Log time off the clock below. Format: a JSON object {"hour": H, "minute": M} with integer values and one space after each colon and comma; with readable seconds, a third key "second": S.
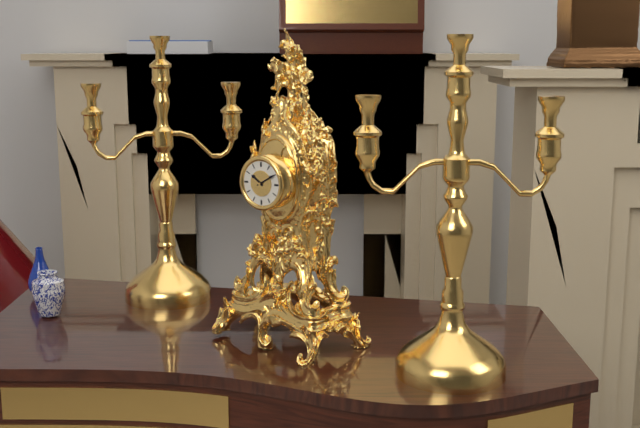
{"hour": 10, "minute": 10}
